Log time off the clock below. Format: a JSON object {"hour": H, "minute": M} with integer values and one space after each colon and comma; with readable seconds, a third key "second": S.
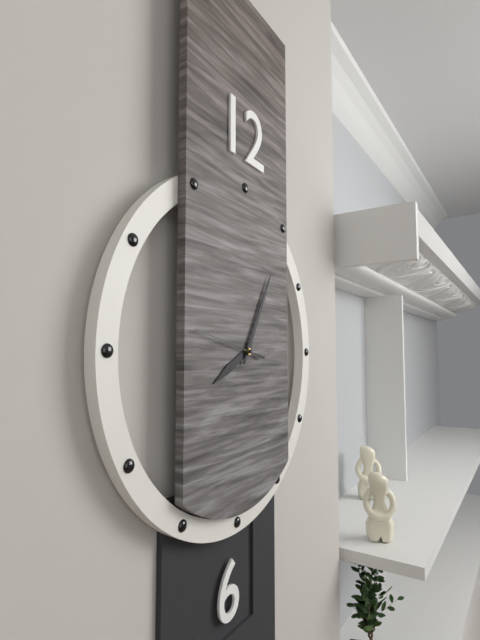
{"hour": 8, "minute": 5, "second": 47}
